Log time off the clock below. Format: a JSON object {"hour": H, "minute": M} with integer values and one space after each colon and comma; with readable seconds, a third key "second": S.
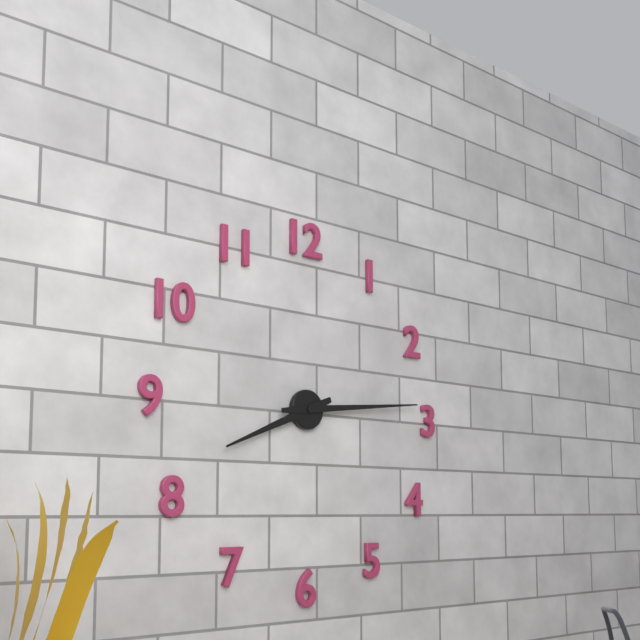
{"hour": 8, "minute": 14}
